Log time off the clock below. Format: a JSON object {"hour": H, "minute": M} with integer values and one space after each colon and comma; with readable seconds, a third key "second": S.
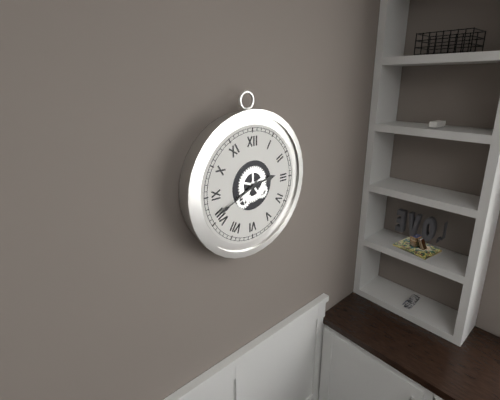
{"hour": 2, "minute": 41}
